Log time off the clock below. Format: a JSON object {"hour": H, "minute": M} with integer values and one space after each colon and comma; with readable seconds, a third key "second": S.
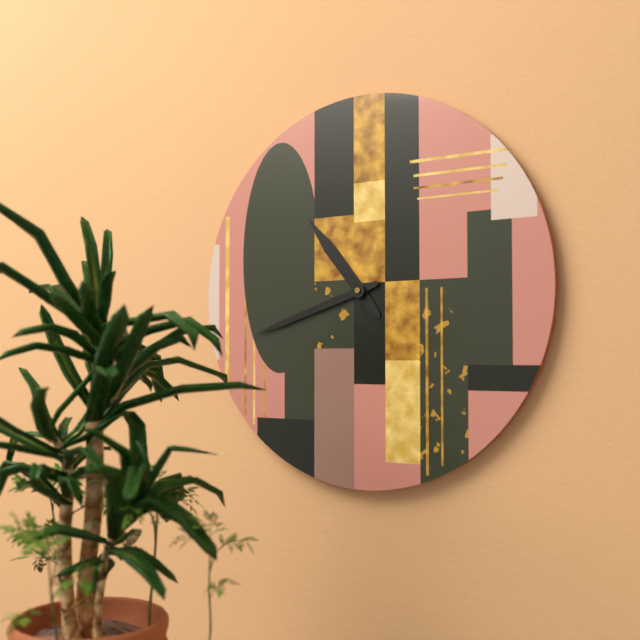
{"hour": 10, "minute": 42}
